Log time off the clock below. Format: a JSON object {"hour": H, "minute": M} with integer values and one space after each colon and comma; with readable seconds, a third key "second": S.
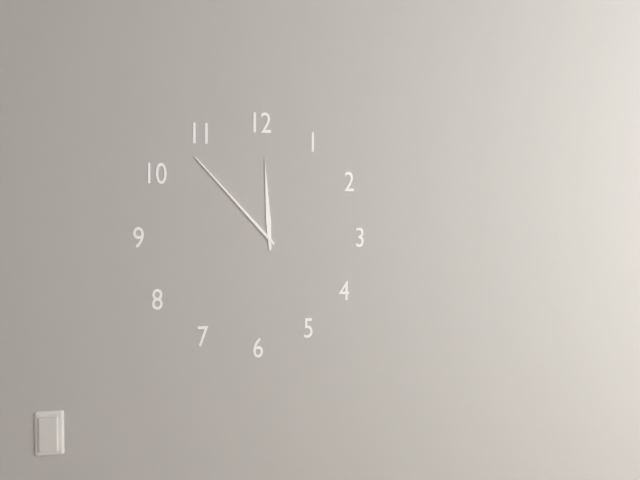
{"hour": 11, "minute": 53}
